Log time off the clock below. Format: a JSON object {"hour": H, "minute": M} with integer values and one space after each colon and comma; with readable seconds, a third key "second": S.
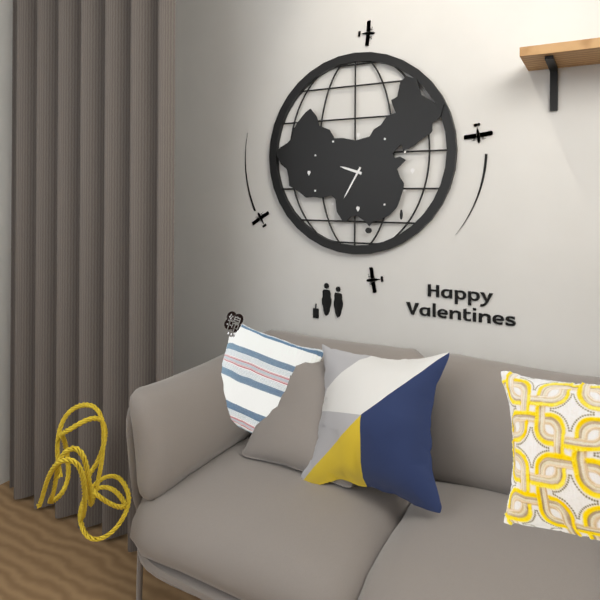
{"hour": 9, "minute": 35}
